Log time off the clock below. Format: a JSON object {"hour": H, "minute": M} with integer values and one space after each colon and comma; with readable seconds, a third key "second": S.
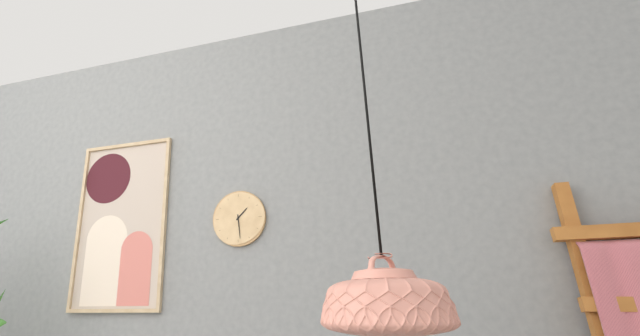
{"hour": 1, "minute": 29}
